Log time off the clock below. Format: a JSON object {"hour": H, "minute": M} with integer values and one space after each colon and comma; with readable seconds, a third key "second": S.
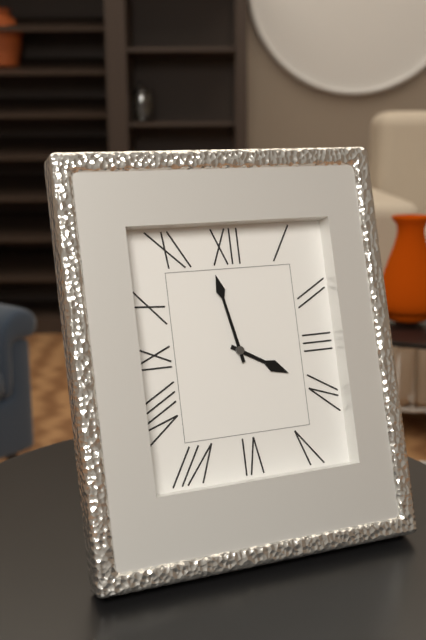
{"hour": 3, "minute": 58}
